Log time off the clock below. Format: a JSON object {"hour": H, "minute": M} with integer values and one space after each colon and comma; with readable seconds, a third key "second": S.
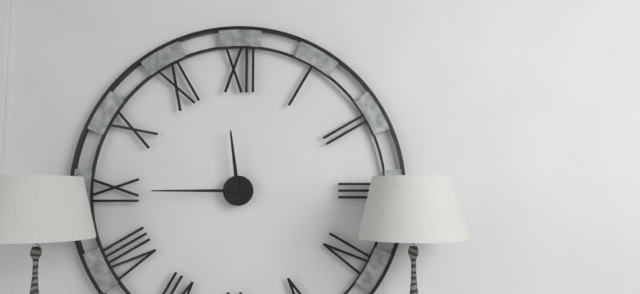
{"hour": 11, "minute": 45}
